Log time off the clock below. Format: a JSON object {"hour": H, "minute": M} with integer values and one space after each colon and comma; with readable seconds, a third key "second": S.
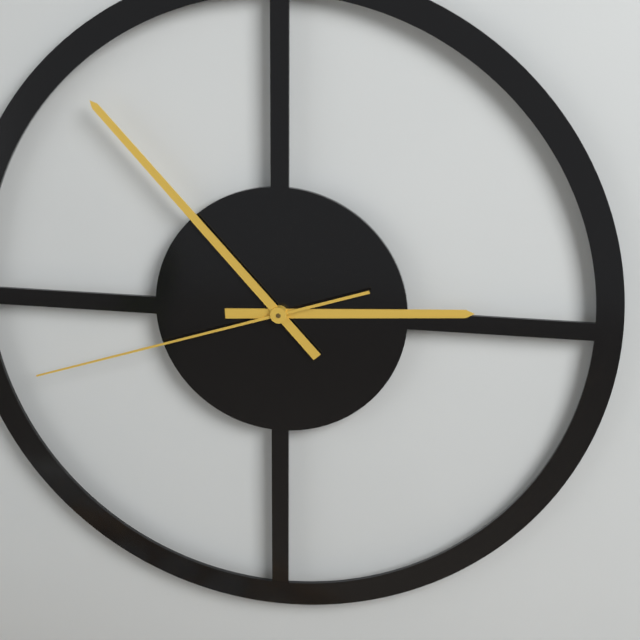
{"hour": 2, "minute": 53, "second": 42}
